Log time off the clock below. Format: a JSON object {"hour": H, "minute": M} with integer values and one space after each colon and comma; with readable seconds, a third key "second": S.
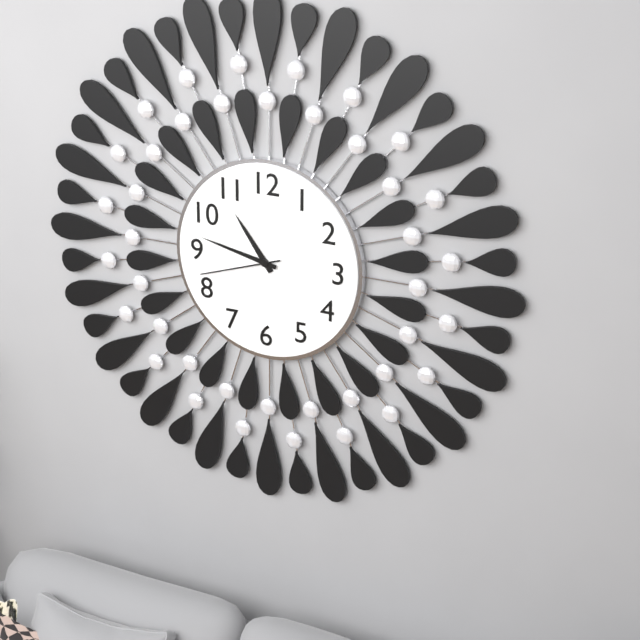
{"hour": 10, "minute": 47, "second": 42}
